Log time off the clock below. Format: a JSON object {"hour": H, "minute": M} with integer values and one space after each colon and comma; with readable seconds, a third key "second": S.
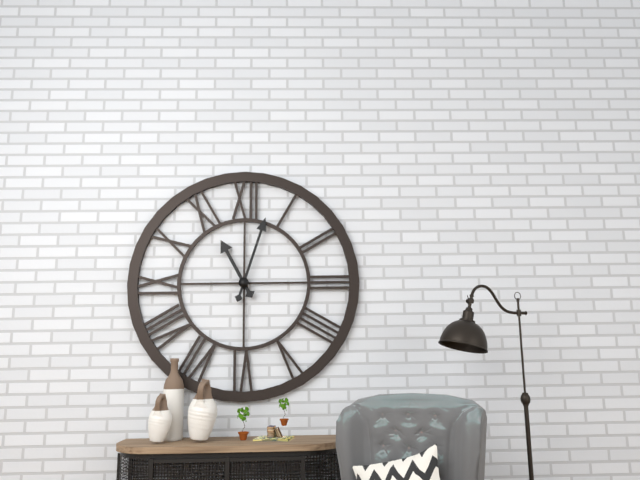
{"hour": 11, "minute": 3}
